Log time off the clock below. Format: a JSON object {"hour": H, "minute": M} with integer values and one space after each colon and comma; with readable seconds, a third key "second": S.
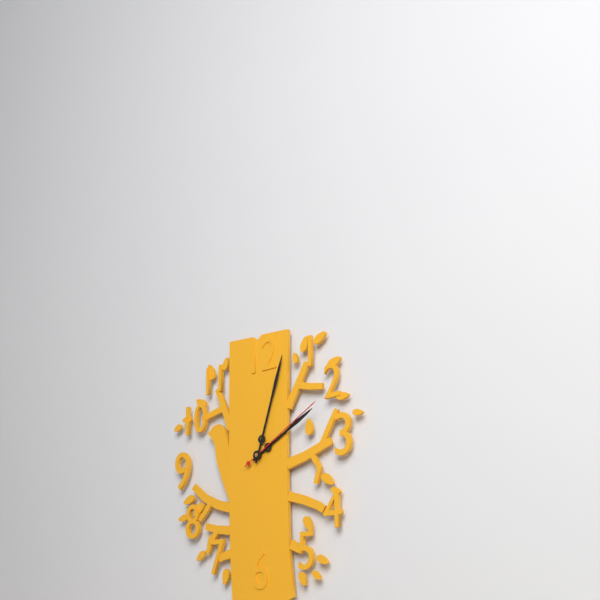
{"hour": 2, "minute": 3, "second": 10}
